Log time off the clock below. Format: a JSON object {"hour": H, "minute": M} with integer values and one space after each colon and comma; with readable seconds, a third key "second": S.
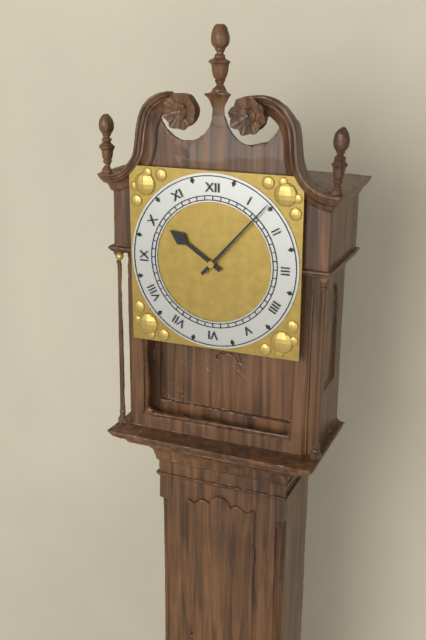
{"hour": 10, "minute": 7}
